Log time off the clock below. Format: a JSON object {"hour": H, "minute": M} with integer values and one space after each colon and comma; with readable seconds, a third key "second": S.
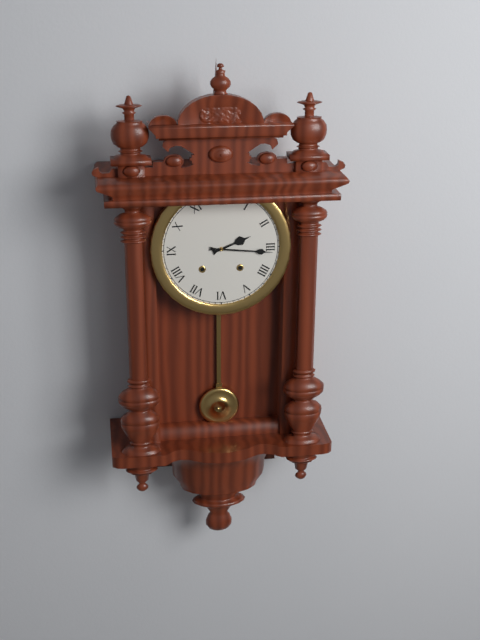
{"hour": 2, "minute": 16}
